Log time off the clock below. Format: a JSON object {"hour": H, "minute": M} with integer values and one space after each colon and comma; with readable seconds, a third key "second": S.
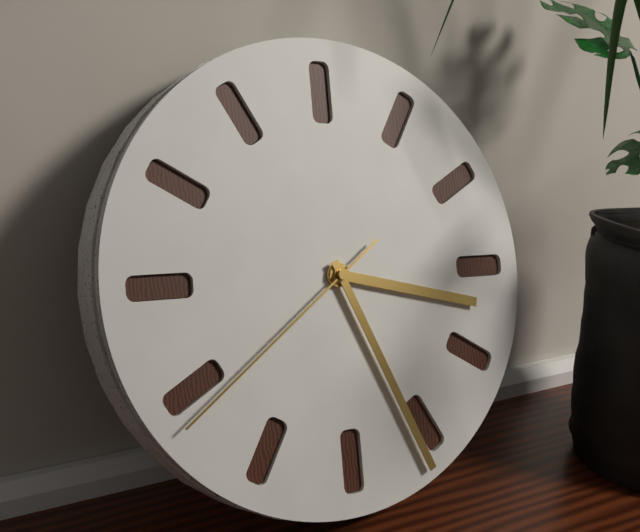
{"hour": 3, "minute": 26, "second": 39}
